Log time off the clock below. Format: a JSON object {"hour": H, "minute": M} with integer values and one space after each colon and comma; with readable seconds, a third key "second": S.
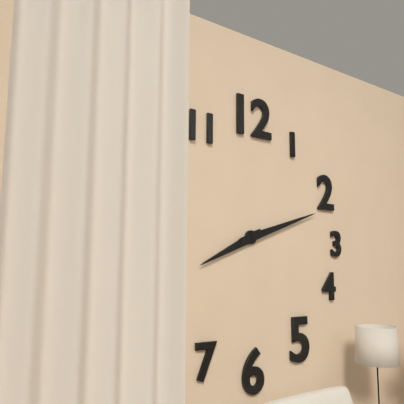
{"hour": 8, "minute": 12}
